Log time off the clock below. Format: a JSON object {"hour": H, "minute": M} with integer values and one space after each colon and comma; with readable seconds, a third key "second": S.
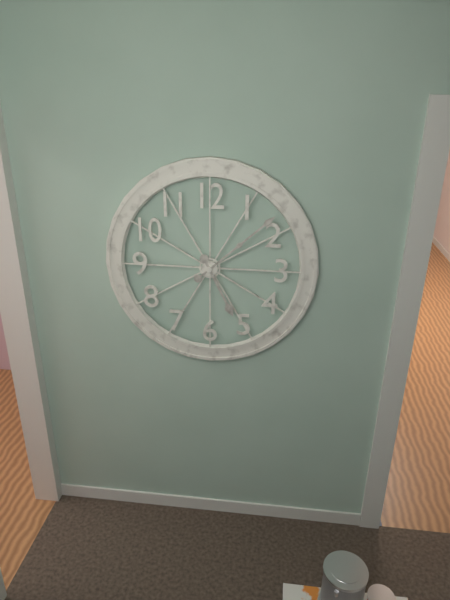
{"hour": 5, "minute": 8}
